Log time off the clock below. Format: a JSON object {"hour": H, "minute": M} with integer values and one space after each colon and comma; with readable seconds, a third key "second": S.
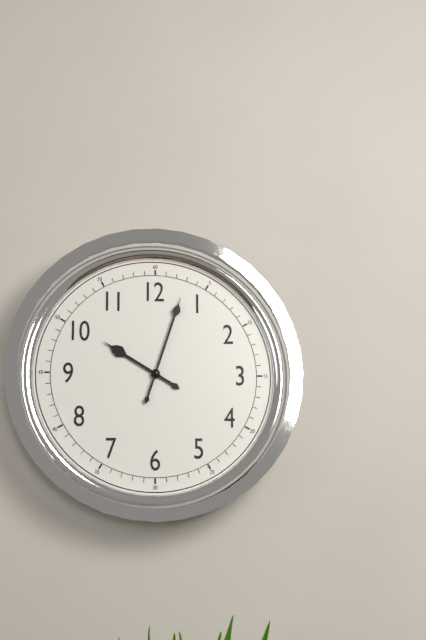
{"hour": 10, "minute": 3}
